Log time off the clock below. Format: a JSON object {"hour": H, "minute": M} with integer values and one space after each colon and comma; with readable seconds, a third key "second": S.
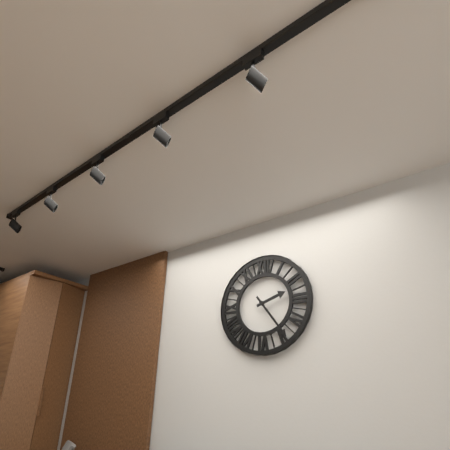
{"hour": 2, "minute": 24}
